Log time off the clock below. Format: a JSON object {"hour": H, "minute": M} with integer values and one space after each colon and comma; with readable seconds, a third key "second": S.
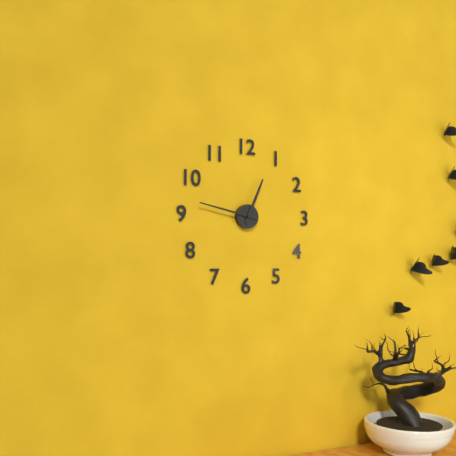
{"hour": 12, "minute": 47}
